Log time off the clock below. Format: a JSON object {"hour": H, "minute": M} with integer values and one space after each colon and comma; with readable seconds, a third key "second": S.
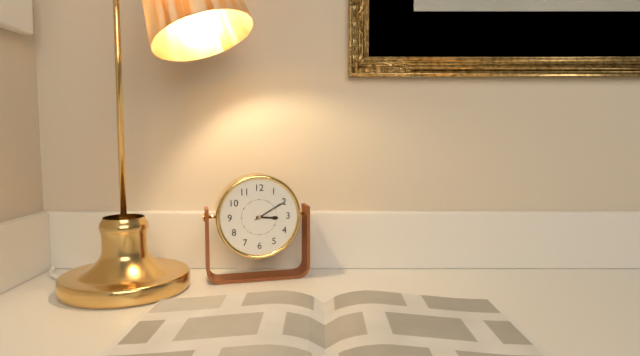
{"hour": 3, "minute": 10}
